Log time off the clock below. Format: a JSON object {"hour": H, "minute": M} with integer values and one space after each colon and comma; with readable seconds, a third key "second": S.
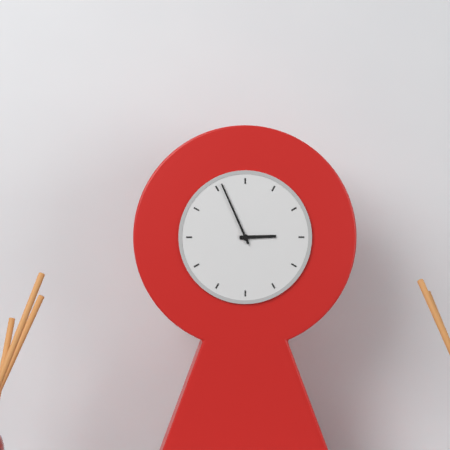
{"hour": 2, "minute": 56}
